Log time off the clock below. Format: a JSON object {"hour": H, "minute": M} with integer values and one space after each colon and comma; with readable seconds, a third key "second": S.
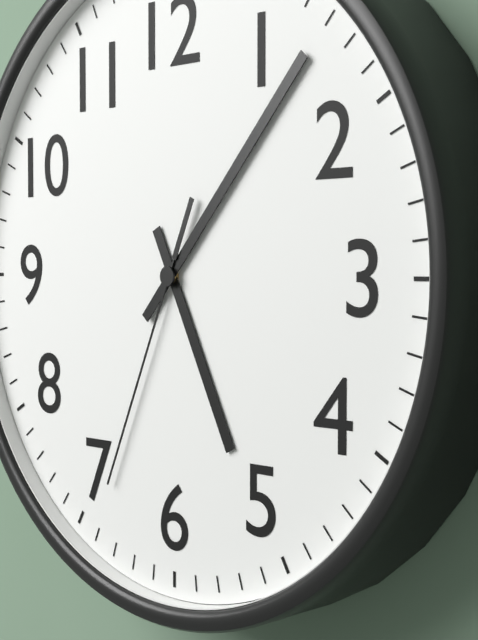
{"hour": 5, "minute": 7, "second": 34}
